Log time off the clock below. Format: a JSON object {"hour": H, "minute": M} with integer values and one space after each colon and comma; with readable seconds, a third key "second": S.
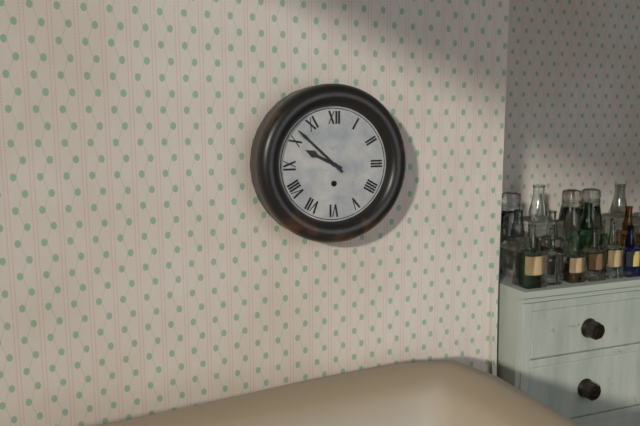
{"hour": 9, "minute": 52}
